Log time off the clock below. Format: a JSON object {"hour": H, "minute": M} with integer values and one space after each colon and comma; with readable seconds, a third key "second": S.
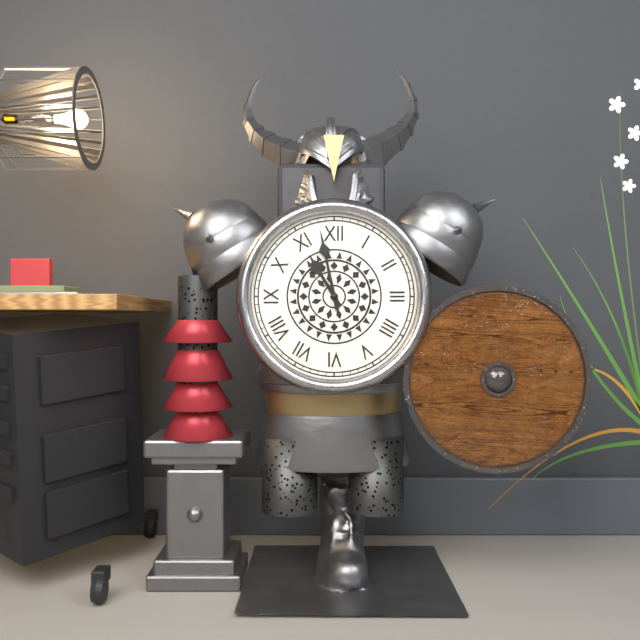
{"hour": 10, "minute": 58}
